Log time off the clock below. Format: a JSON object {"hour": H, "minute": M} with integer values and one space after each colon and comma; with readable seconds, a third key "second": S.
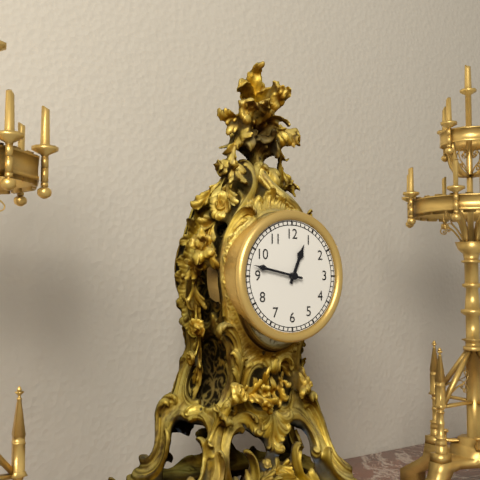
{"hour": 12, "minute": 47}
